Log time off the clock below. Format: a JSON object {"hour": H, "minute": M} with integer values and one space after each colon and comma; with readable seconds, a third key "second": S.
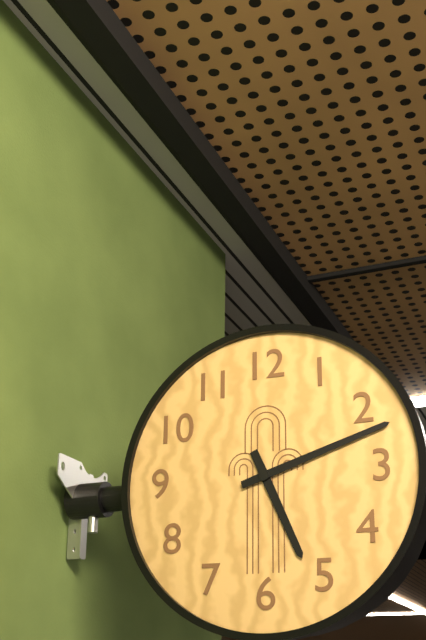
{"hour": 5, "minute": 12}
